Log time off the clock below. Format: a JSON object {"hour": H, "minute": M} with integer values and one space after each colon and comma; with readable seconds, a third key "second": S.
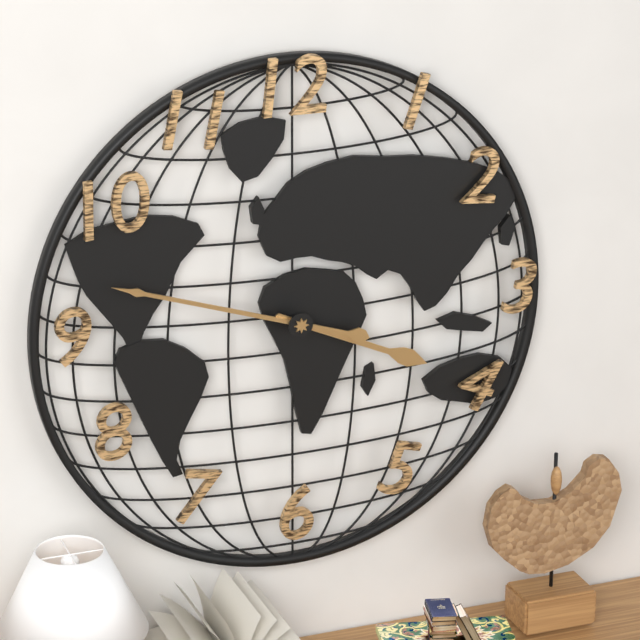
{"hour": 3, "minute": 48}
